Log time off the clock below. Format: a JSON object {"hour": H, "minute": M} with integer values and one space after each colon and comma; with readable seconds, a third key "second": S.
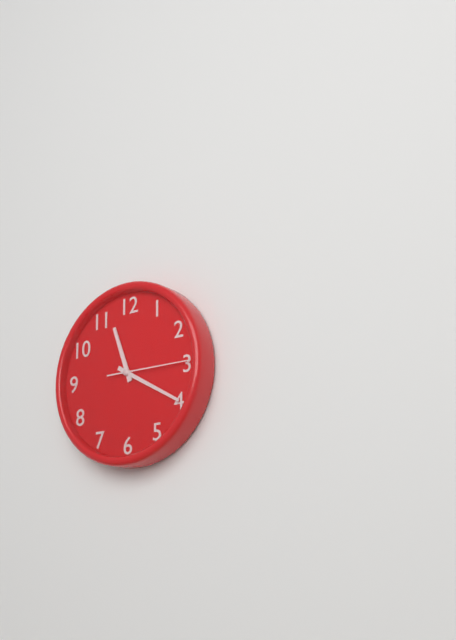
{"hour": 11, "minute": 20, "second": 15}
